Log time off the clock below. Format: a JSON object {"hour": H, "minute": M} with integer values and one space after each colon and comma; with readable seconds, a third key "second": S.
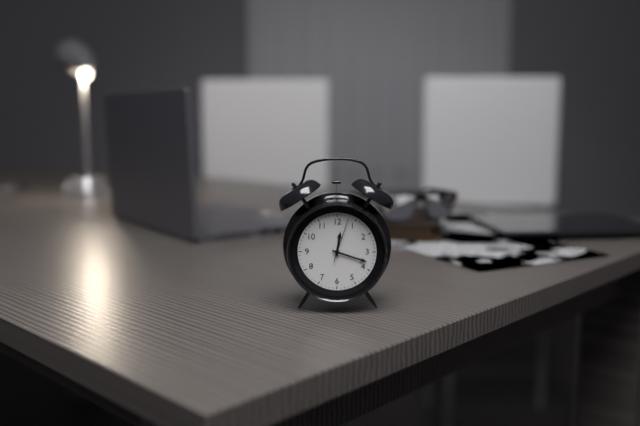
{"hour": 12, "minute": 18}
